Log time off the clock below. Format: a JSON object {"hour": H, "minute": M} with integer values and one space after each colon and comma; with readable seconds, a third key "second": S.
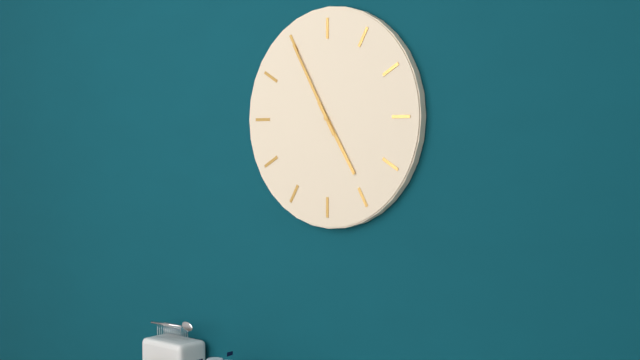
{"hour": 4, "minute": 55}
